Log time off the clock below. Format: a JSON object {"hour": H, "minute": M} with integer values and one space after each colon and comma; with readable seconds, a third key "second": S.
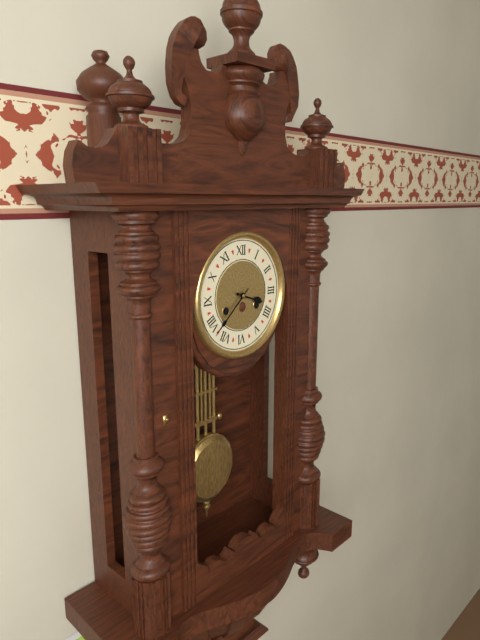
{"hour": 3, "minute": 38}
